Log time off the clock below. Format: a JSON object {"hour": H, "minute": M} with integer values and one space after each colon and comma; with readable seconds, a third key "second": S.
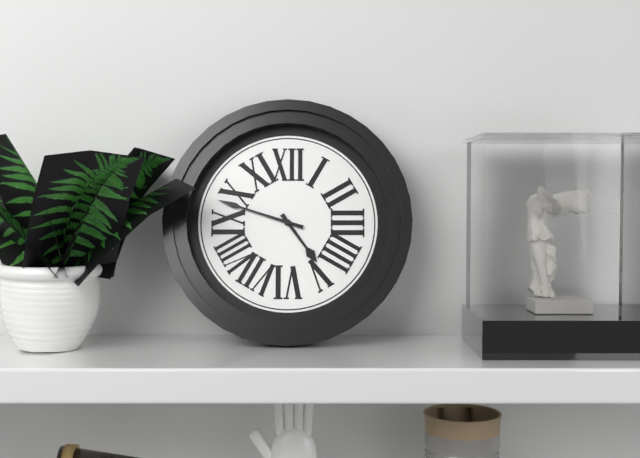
{"hour": 4, "minute": 48}
